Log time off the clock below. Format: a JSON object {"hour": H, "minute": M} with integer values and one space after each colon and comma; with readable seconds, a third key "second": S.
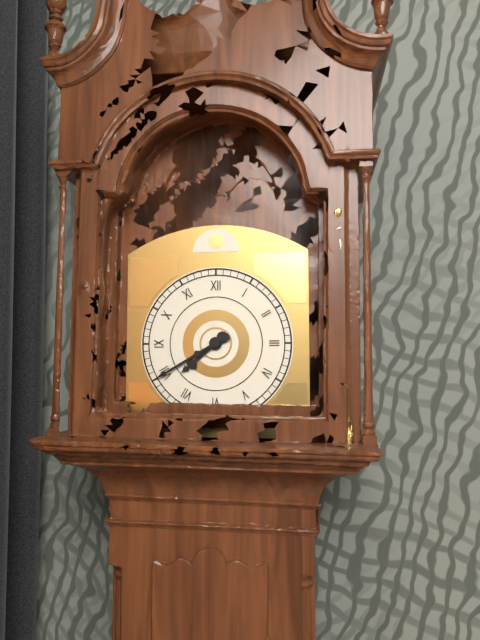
{"hour": 7, "minute": 40}
